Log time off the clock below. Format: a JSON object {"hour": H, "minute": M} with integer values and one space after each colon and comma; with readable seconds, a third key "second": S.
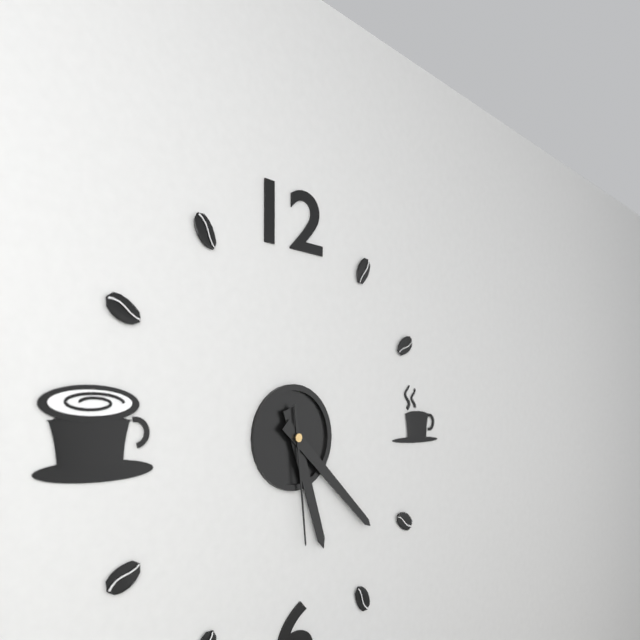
{"hour": 5, "minute": 22, "second": 29}
